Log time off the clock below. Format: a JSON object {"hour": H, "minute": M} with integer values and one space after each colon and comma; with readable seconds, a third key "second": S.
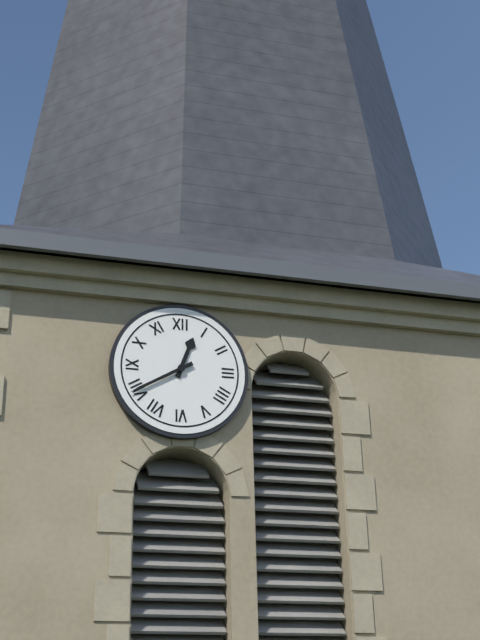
{"hour": 12, "minute": 40}
